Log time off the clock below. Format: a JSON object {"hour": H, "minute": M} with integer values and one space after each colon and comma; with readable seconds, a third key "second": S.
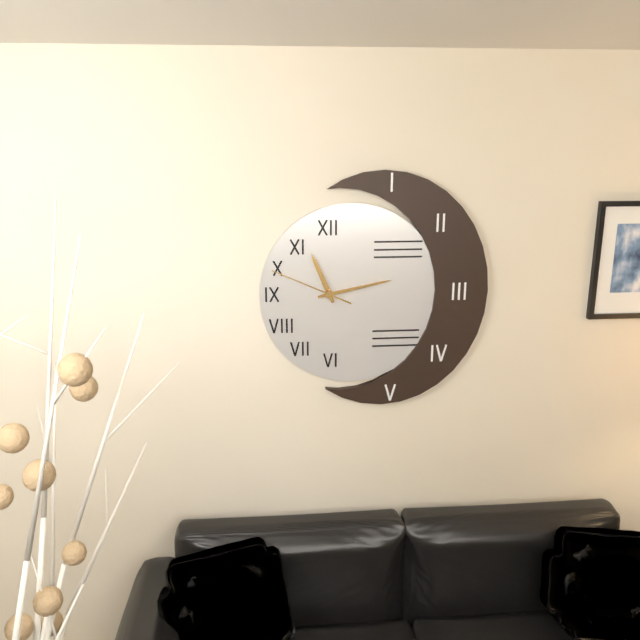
{"hour": 11, "minute": 13, "second": 49}
